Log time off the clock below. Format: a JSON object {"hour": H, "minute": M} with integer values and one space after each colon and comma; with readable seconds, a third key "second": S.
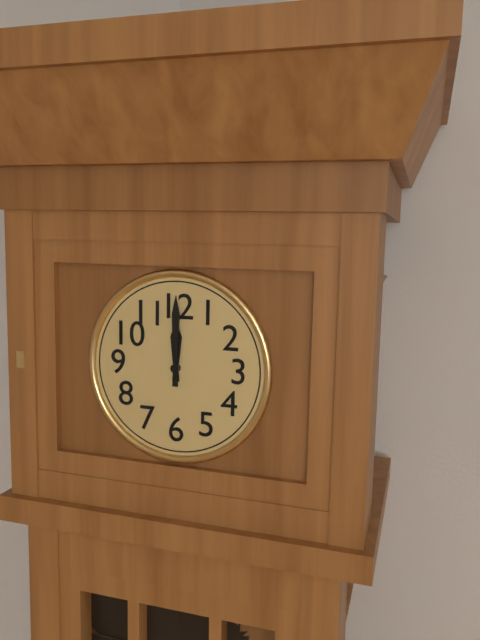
{"hour": 12, "minute": 0}
